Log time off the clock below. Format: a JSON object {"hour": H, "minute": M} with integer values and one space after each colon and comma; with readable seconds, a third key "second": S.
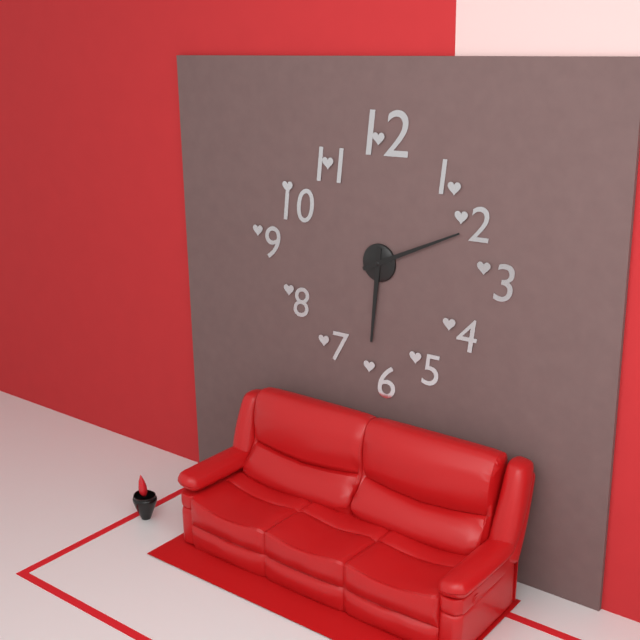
{"hour": 6, "minute": 11}
